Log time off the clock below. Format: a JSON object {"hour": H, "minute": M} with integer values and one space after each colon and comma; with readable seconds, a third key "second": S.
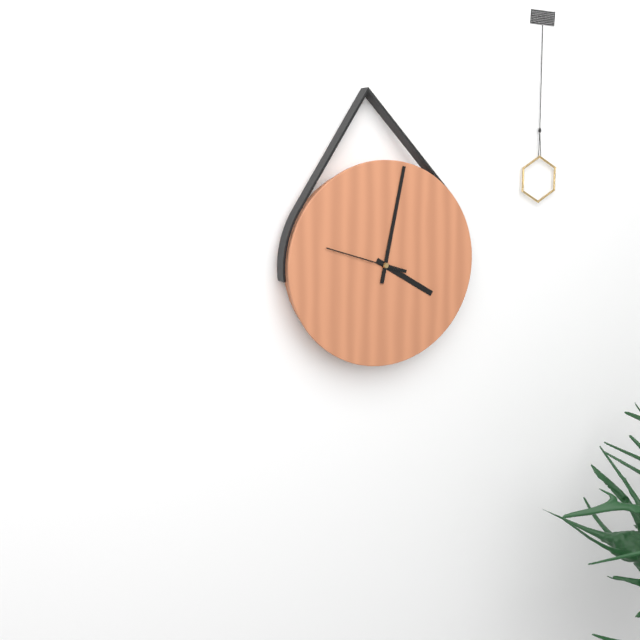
{"hour": 4, "minute": 2, "second": 48}
